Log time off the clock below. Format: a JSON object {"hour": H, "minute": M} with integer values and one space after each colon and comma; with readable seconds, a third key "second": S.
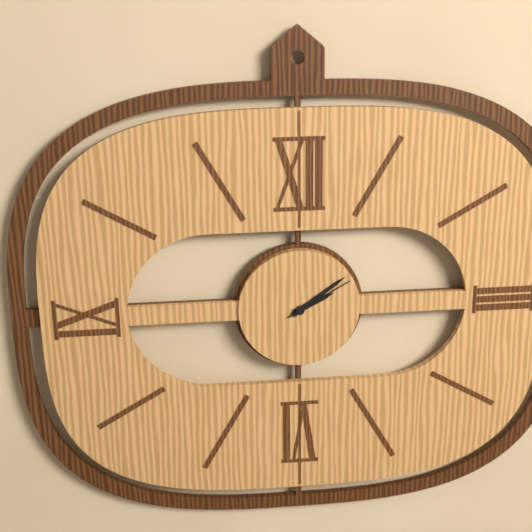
{"hour": 2, "minute": 9, "second": 10}
